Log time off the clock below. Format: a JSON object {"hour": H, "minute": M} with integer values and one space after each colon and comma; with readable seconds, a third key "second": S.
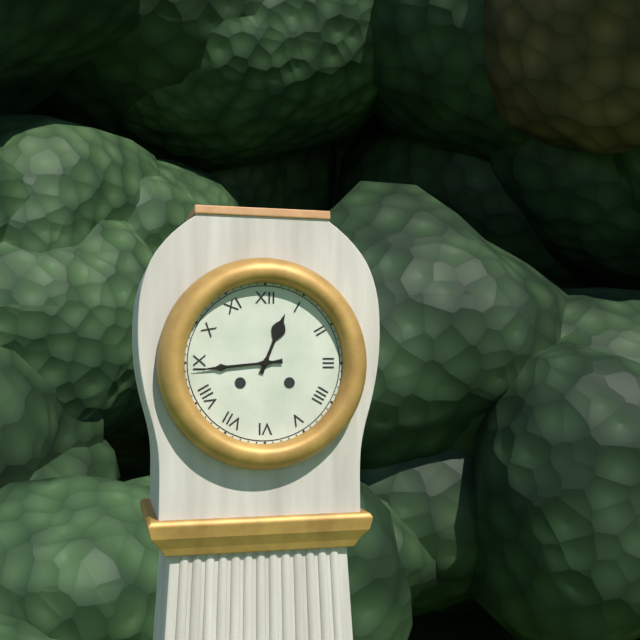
{"hour": 12, "minute": 44}
